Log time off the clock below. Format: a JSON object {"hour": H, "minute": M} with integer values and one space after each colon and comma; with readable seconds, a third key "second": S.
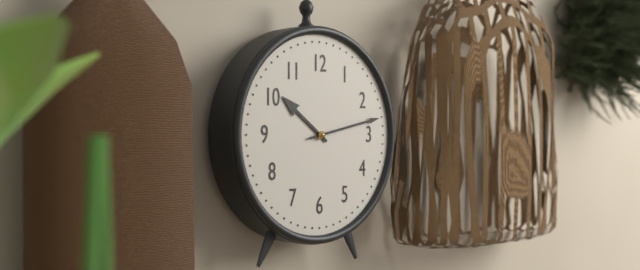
{"hour": 10, "minute": 13}
